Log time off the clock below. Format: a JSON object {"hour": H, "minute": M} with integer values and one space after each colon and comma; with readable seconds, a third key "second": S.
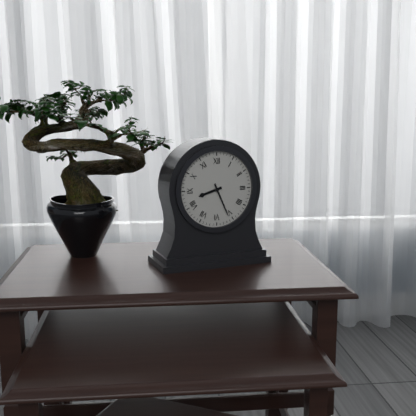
{"hour": 8, "minute": 26}
